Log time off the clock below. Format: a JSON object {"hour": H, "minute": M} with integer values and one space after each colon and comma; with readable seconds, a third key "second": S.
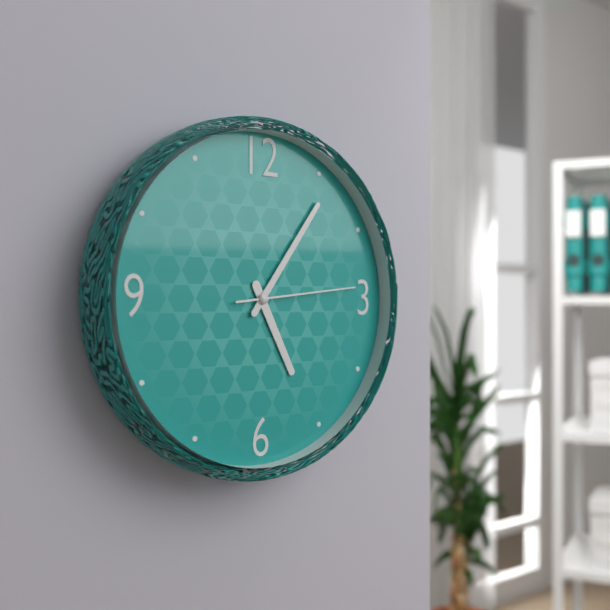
{"hour": 5, "minute": 6, "second": 14}
